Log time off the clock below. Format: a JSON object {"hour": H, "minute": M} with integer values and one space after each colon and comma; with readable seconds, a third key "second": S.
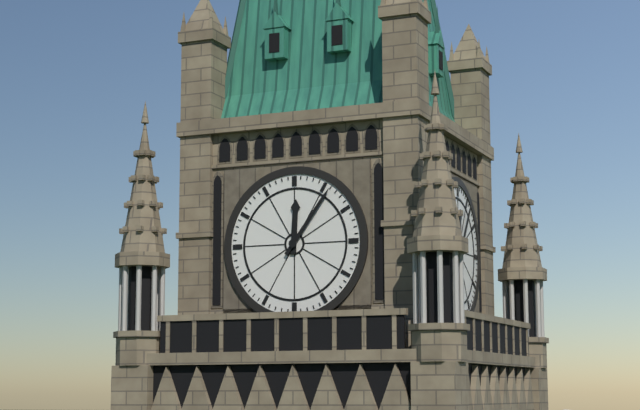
{"hour": 12, "minute": 6}
